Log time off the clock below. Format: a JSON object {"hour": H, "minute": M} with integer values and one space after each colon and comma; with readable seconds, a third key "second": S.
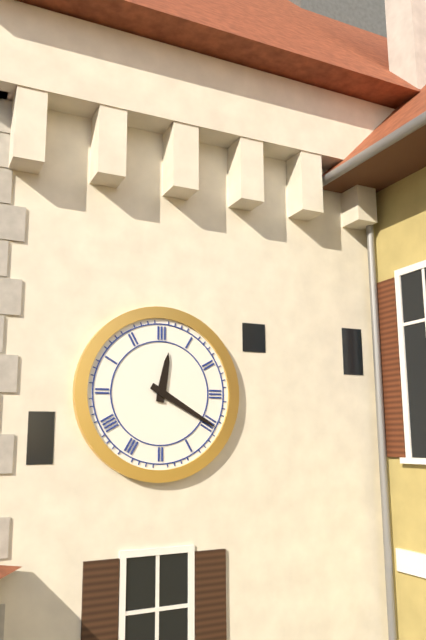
{"hour": 12, "minute": 20}
